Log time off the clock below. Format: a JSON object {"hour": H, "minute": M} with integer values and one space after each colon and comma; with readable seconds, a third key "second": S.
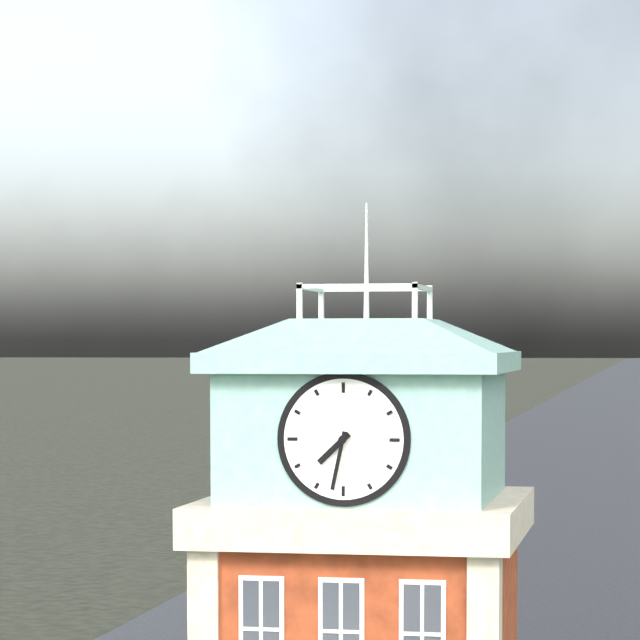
{"hour": 7, "minute": 32}
